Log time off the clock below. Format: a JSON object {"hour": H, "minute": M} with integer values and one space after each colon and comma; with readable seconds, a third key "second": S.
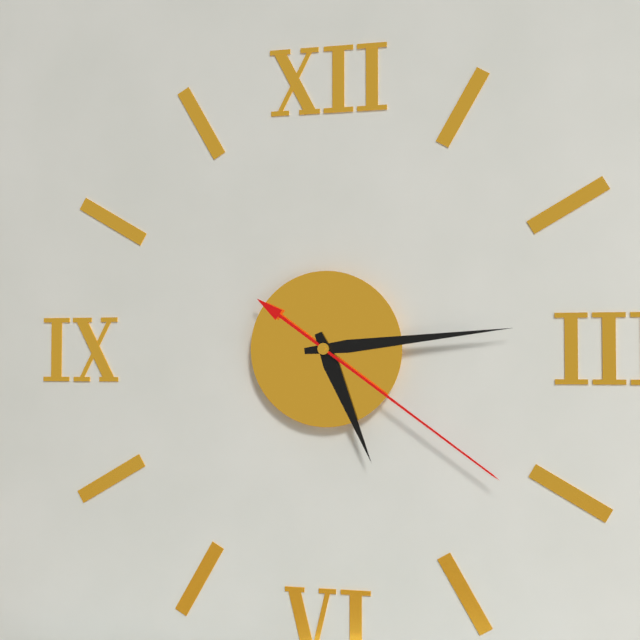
{"hour": 5, "minute": 14, "second": 21}
